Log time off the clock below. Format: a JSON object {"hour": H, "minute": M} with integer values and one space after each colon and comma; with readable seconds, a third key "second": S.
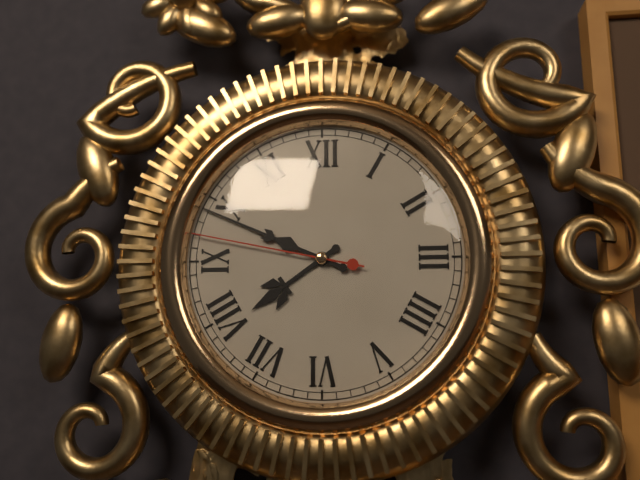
{"hour": 7, "minute": 49, "second": 47}
